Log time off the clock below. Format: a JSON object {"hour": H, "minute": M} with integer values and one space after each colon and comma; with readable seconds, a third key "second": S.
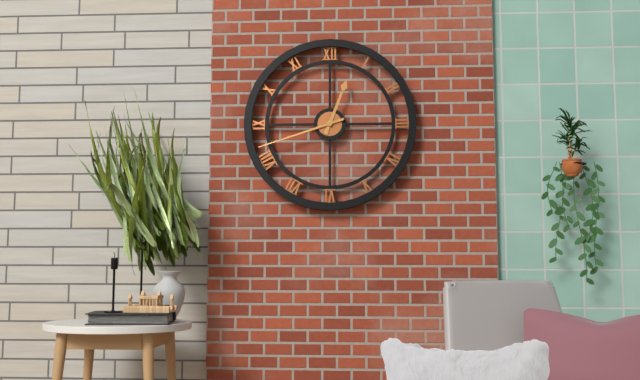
{"hour": 12, "minute": 42}
